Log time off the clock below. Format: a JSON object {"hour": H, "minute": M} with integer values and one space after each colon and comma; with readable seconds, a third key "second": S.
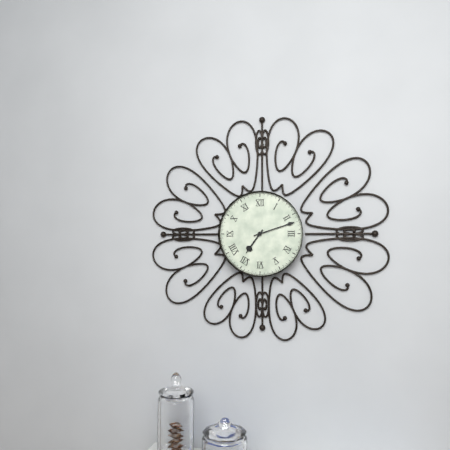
{"hour": 7, "minute": 12}
